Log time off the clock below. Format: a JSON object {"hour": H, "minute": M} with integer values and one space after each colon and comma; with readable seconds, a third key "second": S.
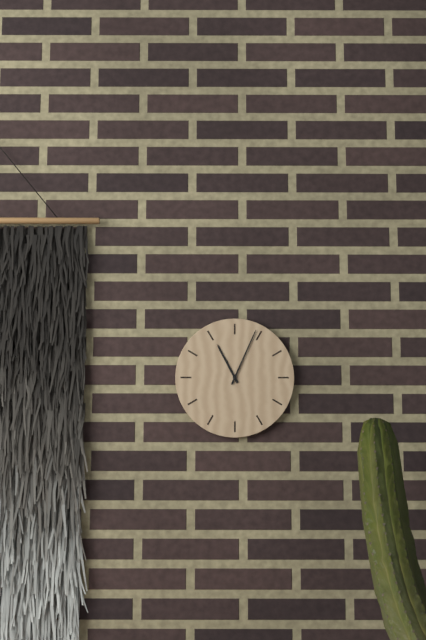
{"hour": 11, "minute": 4}
